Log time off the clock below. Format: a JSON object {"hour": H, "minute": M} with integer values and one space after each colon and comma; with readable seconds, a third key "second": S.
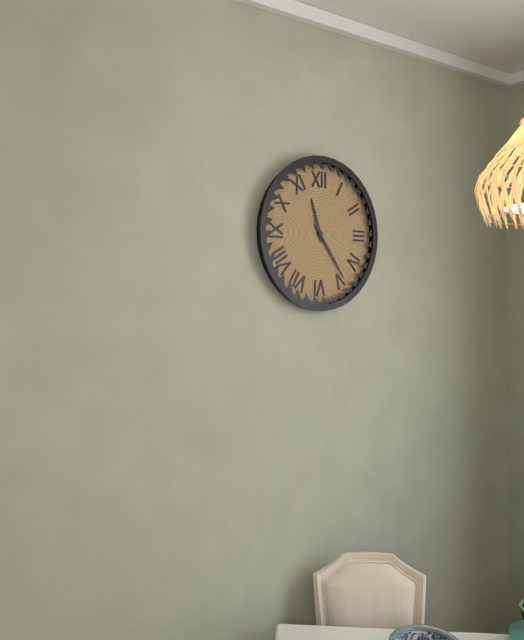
{"hour": 11, "minute": 24}
